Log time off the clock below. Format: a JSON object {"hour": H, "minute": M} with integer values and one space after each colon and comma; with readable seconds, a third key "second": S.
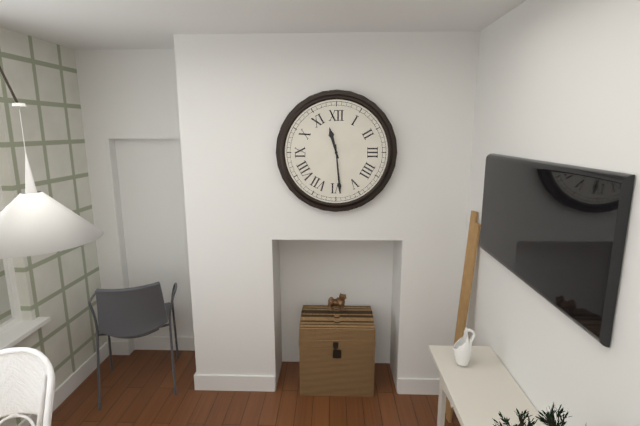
{"hour": 11, "minute": 29}
